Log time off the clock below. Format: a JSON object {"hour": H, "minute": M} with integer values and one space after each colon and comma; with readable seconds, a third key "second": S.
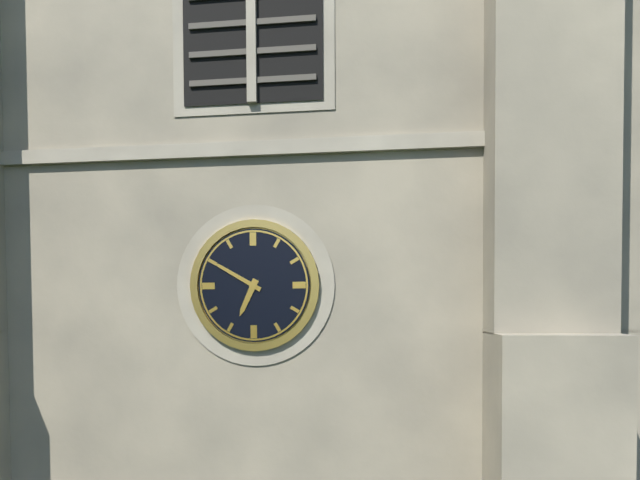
{"hour": 6, "minute": 50}
